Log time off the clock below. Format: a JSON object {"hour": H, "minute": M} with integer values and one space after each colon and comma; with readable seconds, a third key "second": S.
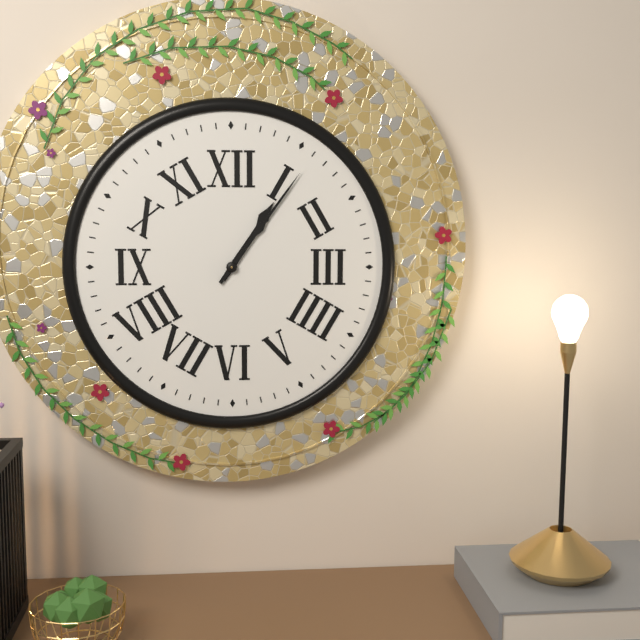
{"hour": 1, "minute": 6}
